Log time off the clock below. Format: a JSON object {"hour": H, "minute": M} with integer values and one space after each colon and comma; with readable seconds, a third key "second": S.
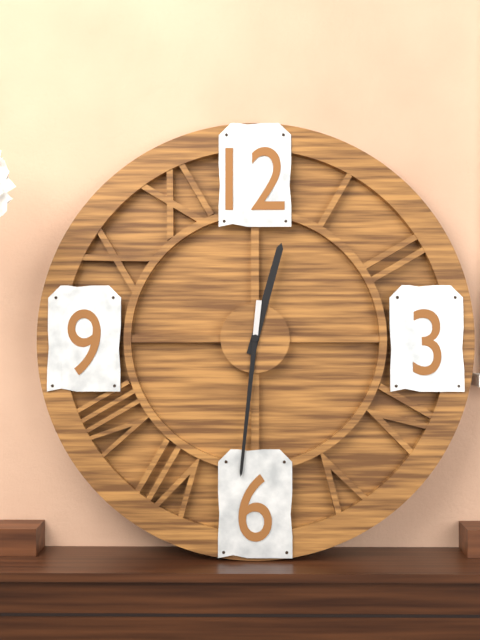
{"hour": 12, "minute": 31}
